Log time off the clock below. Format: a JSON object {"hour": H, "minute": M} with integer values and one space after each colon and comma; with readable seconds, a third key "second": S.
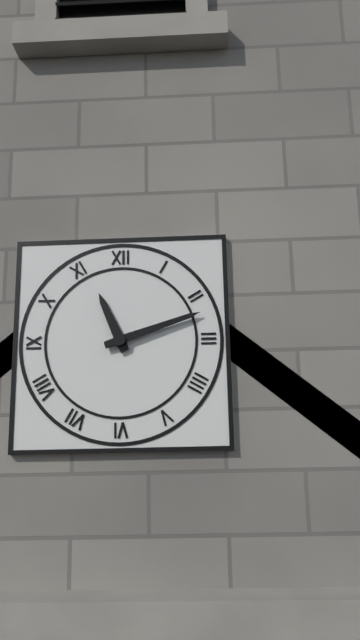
{"hour": 11, "minute": 12}
